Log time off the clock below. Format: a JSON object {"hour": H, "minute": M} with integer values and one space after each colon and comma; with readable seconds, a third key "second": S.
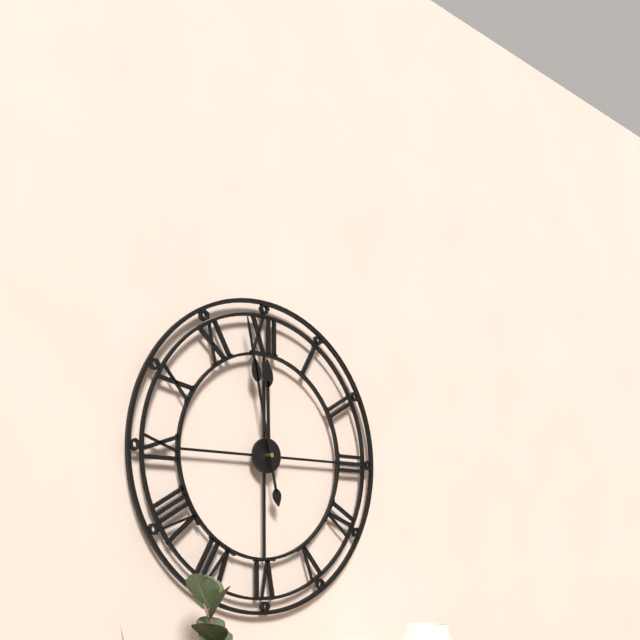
{"hour": 11, "minute": 58}
